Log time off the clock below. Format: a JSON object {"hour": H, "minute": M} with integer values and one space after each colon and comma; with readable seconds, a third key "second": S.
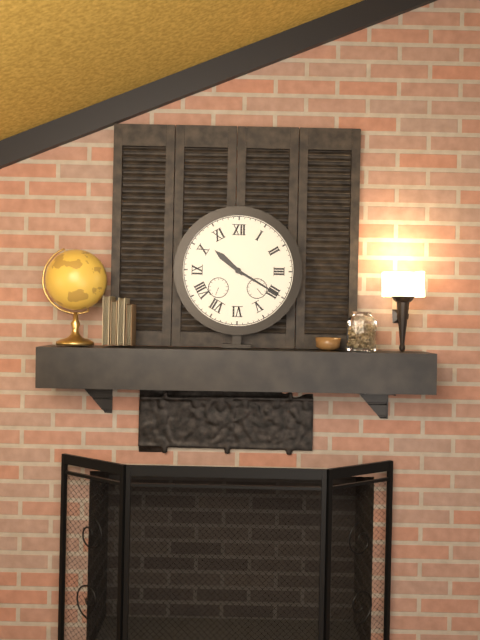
{"hour": 10, "minute": 20}
